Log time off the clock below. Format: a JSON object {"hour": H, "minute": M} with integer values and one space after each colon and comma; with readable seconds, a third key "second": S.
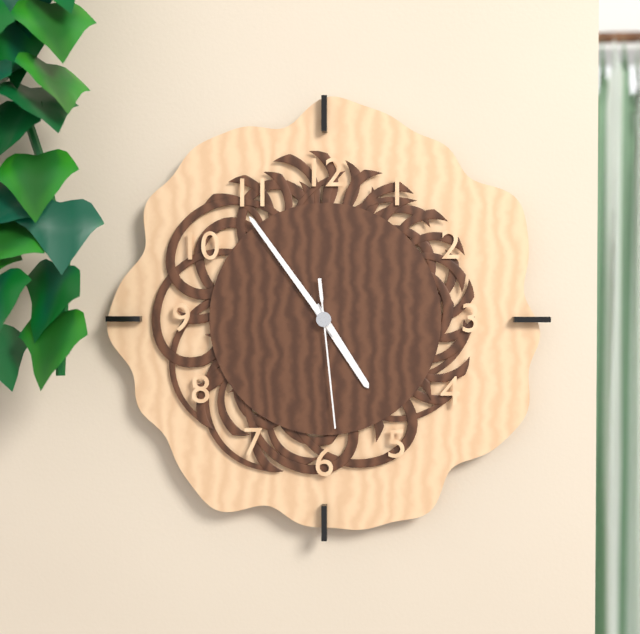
{"hour": 4, "minute": 54, "second": 29}
